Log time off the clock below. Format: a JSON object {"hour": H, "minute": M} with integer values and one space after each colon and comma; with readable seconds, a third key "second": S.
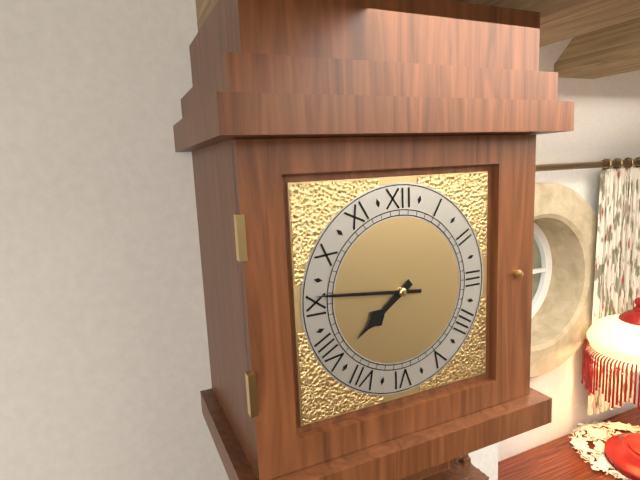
{"hour": 7, "minute": 46}
